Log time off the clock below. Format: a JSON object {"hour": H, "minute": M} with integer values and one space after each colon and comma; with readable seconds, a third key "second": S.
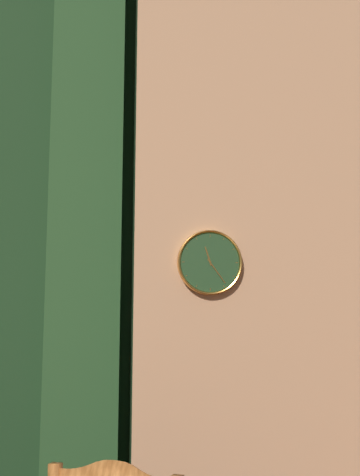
{"hour": 11, "minute": 24}
